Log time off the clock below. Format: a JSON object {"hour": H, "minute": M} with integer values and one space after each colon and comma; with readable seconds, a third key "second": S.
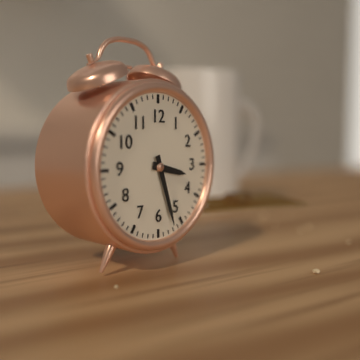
{"hour": 3, "minute": 27}
